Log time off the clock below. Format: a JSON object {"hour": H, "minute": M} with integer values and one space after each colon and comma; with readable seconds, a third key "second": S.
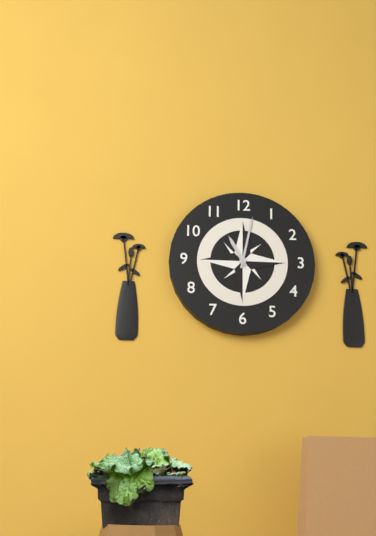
{"hour": 11, "minute": 2}
